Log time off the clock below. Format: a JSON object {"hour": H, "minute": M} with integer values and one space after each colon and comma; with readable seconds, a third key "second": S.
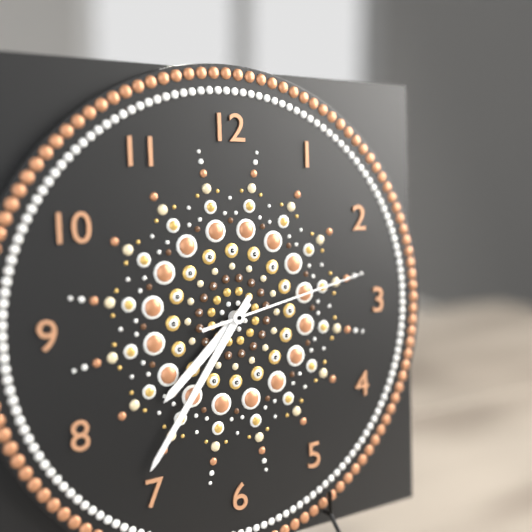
{"hour": 7, "minute": 36, "second": 13}
